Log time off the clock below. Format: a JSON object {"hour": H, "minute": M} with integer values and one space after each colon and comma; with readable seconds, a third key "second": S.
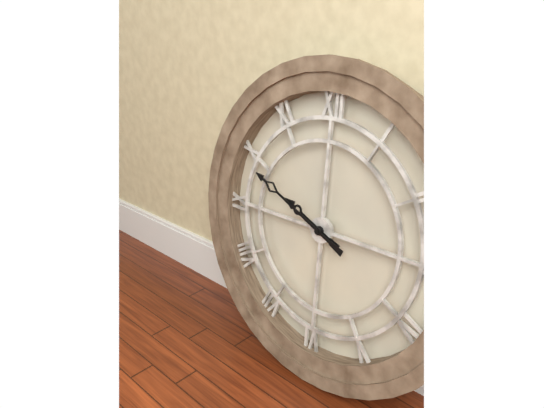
{"hour": 9, "minute": 49}
